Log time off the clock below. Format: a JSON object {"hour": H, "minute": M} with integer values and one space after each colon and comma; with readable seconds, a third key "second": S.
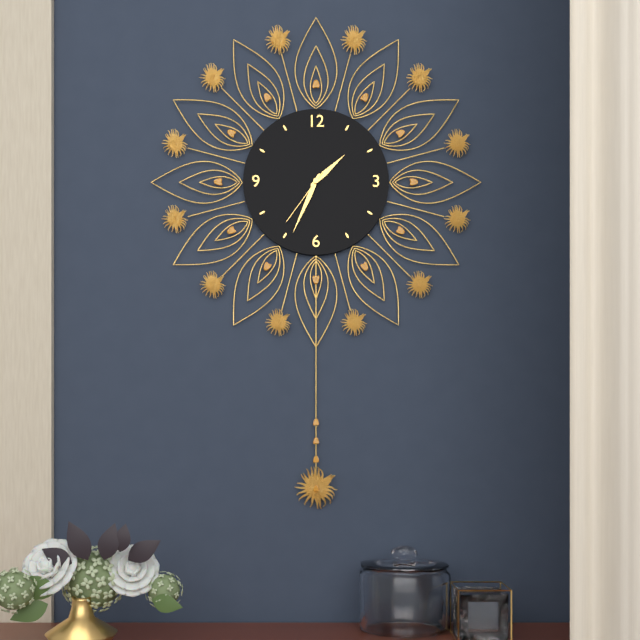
{"hour": 1, "minute": 34, "second": 36}
